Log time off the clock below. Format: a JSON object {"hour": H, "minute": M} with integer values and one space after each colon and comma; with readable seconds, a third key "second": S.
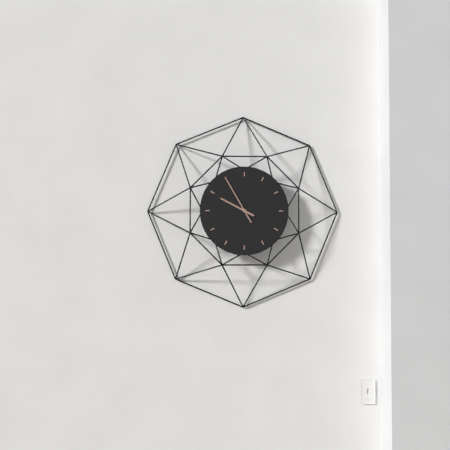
{"hour": 9, "minute": 55}
